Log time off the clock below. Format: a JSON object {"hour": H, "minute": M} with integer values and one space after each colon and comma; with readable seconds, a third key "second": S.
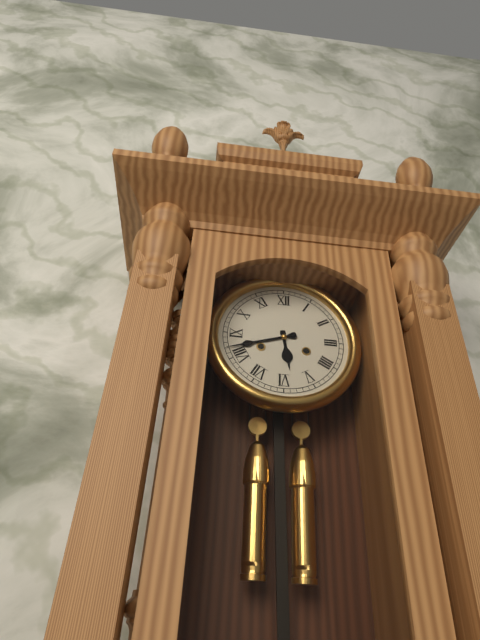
{"hour": 5, "minute": 42}
